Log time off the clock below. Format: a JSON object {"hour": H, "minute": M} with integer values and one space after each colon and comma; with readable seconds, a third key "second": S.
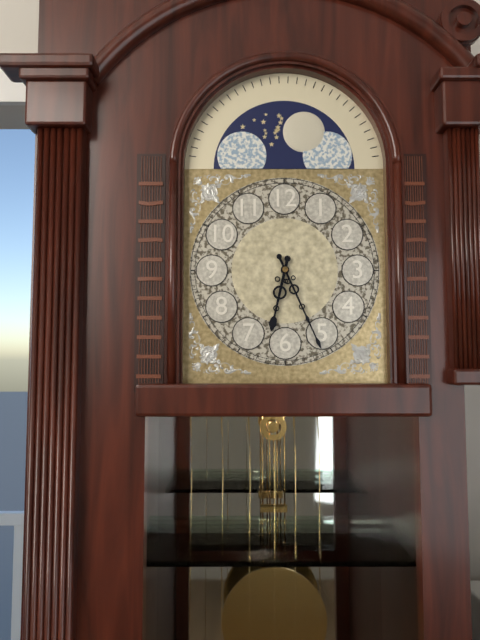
{"hour": 6, "minute": 26}
